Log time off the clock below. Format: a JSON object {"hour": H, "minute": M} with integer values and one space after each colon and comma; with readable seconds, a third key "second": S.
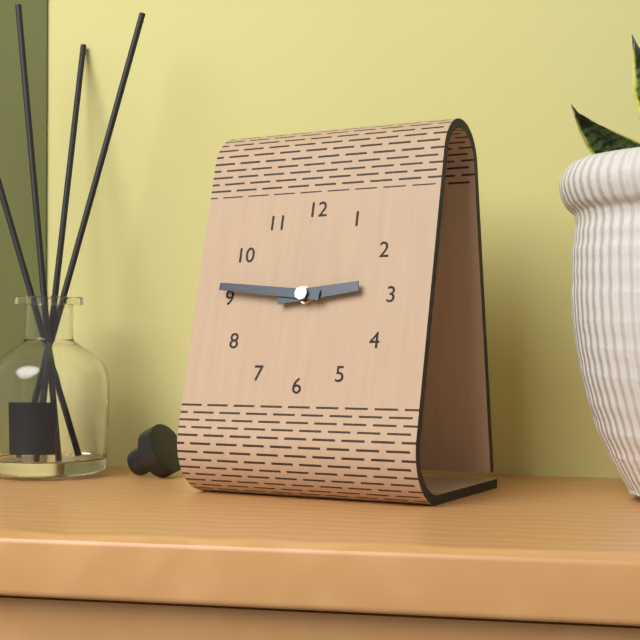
{"hour": 2, "minute": 46}
